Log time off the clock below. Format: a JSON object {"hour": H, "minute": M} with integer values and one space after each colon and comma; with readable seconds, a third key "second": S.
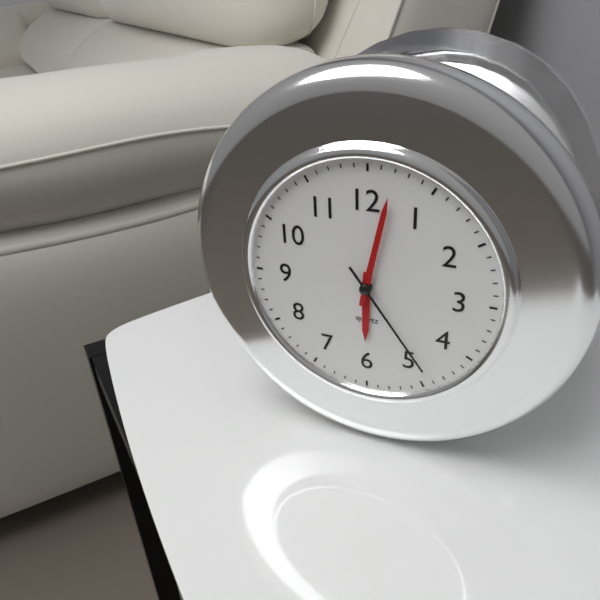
{"hour": 6, "minute": 2, "second": 24}
